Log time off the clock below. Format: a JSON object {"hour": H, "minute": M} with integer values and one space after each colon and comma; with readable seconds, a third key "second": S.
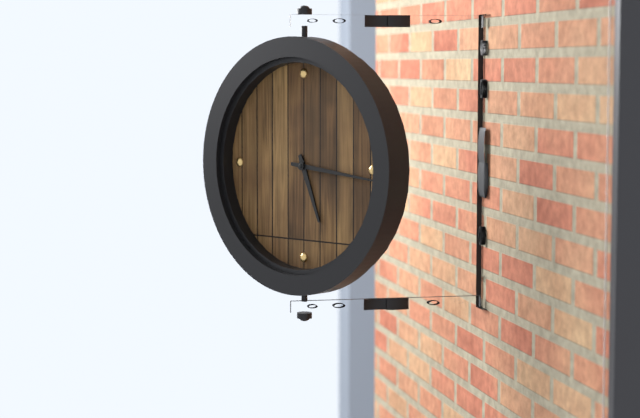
{"hour": 5, "minute": 16}
